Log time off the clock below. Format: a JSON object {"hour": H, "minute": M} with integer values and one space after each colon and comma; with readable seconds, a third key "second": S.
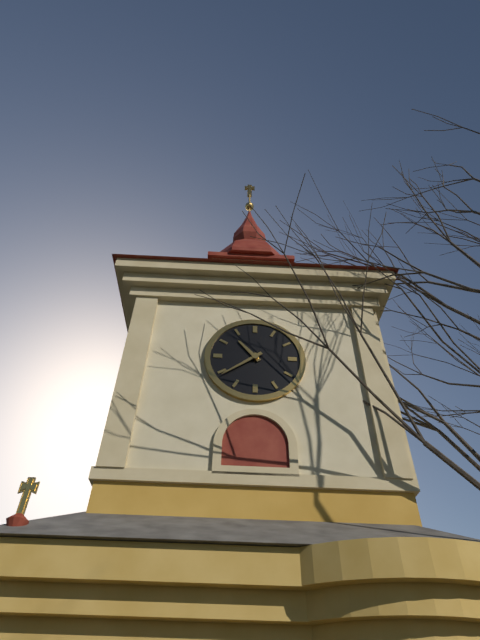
{"hour": 10, "minute": 39}
